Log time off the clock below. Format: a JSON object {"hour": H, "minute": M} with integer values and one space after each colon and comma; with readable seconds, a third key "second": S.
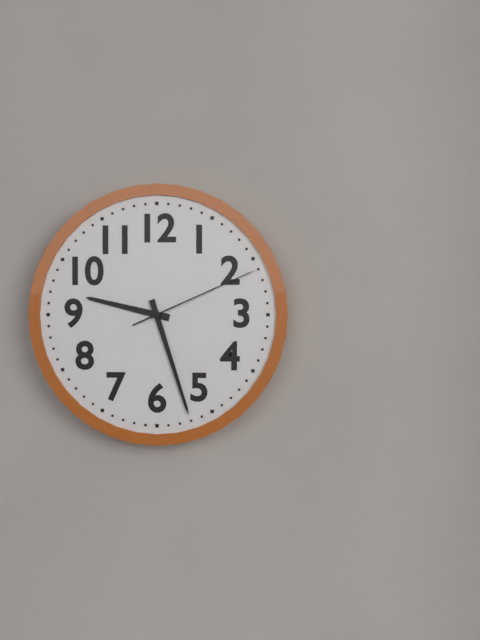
{"hour": 9, "minute": 27, "second": 11}
